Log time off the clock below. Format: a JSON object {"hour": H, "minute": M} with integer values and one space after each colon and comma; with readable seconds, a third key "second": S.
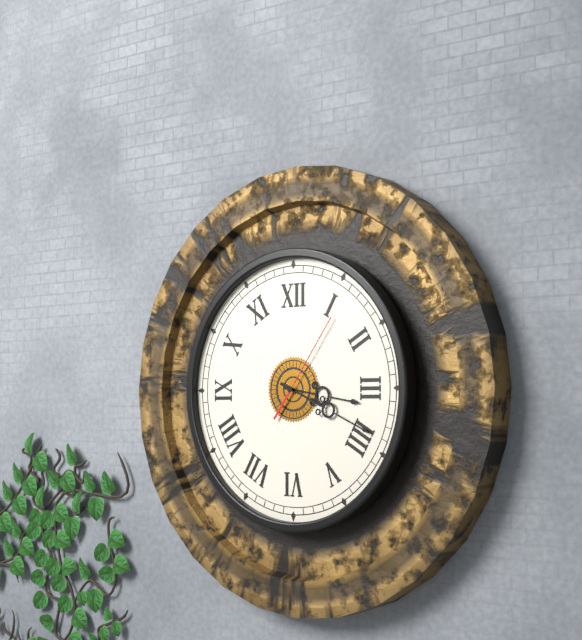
{"hour": 3, "minute": 19, "second": 6}
